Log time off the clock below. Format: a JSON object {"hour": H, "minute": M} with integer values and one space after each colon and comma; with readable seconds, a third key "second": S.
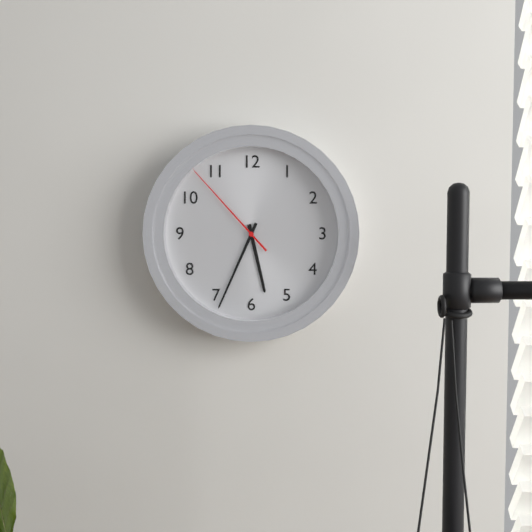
{"hour": 5, "minute": 34, "second": 53}
